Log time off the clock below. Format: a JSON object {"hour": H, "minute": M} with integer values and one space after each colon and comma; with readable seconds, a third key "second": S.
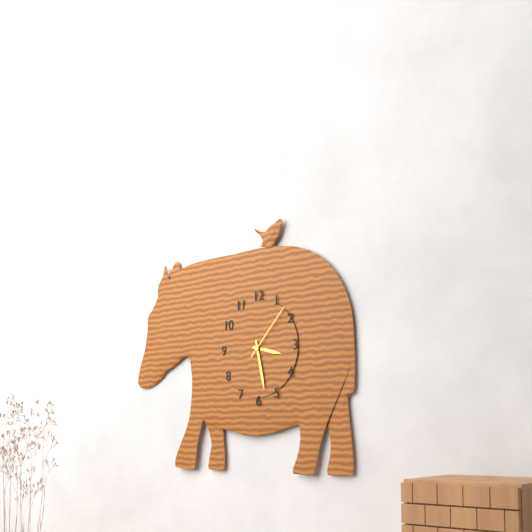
{"hour": 3, "minute": 28, "second": 7}
